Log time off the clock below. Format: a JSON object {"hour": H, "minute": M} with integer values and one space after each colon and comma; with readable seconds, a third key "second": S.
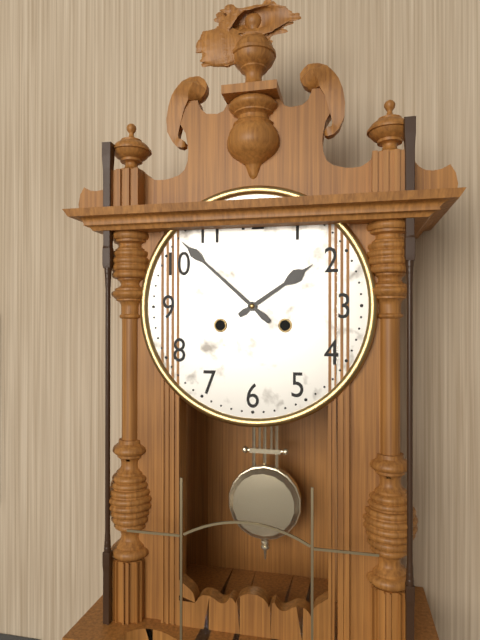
{"hour": 1, "minute": 52}
